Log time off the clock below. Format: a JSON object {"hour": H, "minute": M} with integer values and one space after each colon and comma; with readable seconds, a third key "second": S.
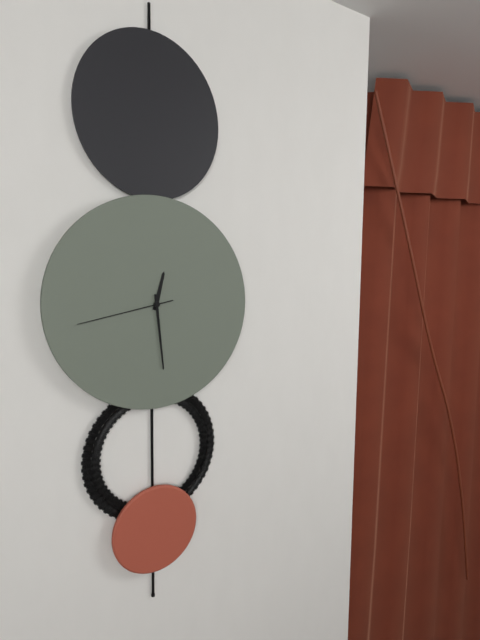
{"hour": 12, "minute": 29, "second": 43}
